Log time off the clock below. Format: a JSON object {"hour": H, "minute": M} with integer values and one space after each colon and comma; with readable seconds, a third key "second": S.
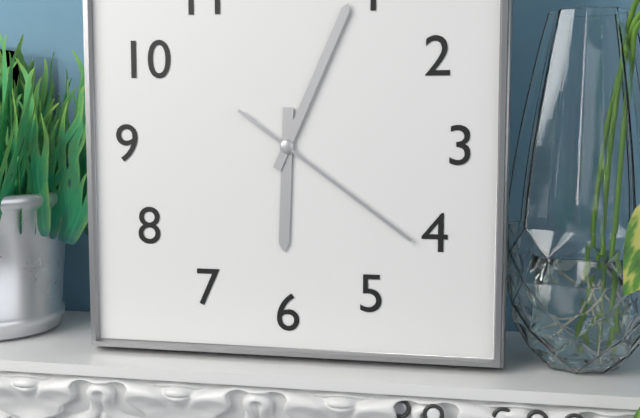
{"hour": 6, "minute": 4, "second": 21}
